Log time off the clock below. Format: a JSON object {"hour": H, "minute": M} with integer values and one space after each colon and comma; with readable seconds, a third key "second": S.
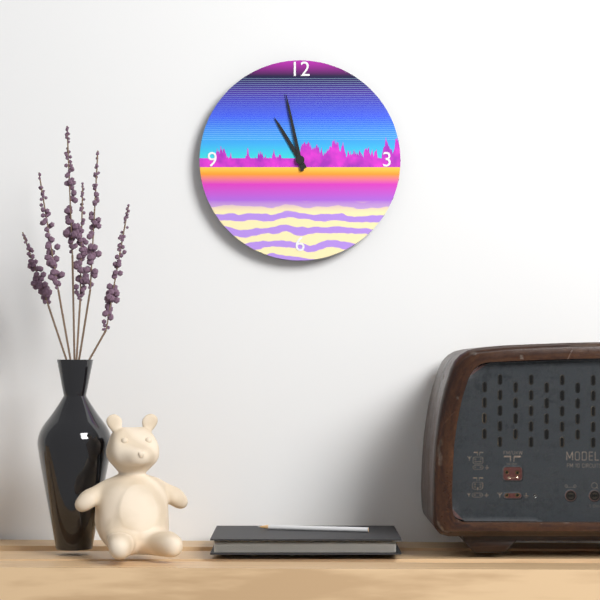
{"hour": 10, "minute": 58}
